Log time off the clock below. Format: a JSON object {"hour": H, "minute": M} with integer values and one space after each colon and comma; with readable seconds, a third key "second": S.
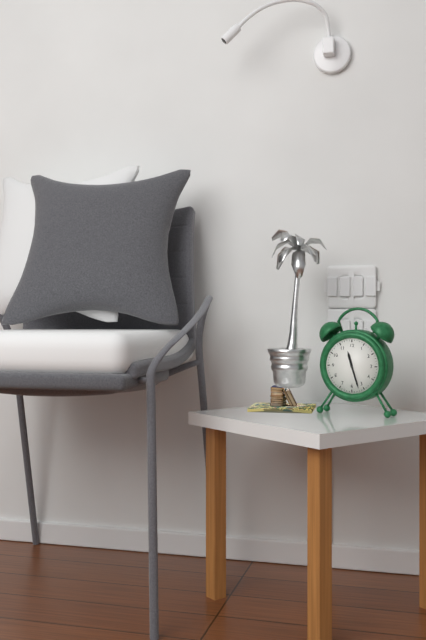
{"hour": 11, "minute": 27}
